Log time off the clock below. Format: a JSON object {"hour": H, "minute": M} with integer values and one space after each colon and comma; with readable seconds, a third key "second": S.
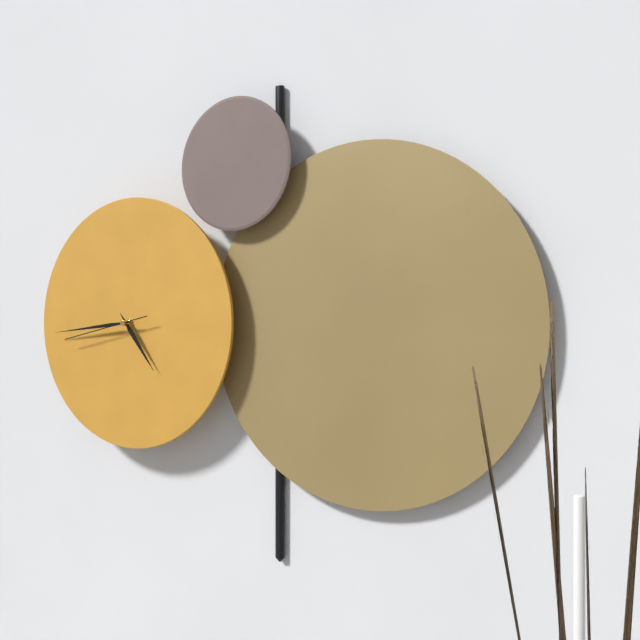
{"hour": 4, "minute": 44, "second": 43}
